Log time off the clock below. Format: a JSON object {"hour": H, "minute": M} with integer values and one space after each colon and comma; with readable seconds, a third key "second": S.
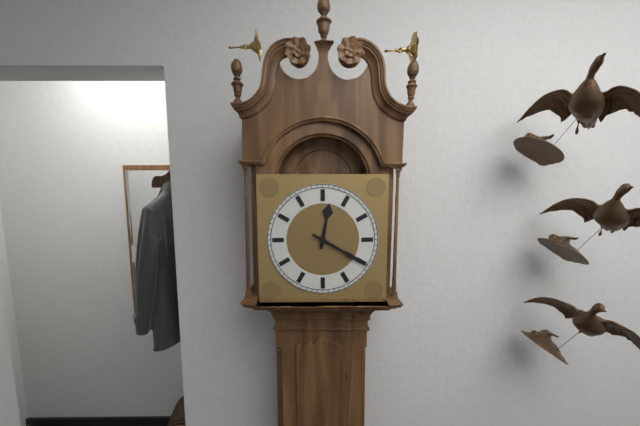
{"hour": 12, "minute": 20}
